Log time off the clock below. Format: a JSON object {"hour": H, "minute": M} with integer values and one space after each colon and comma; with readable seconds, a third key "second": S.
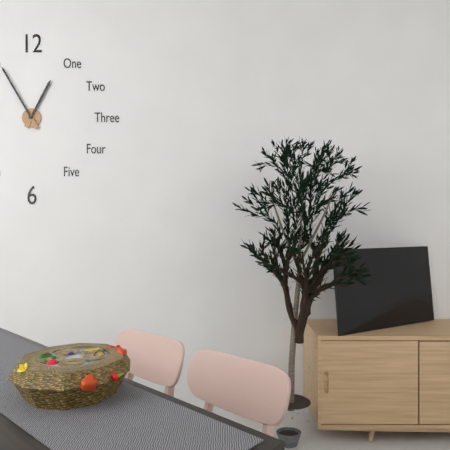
{"hour": 12, "minute": 55}
